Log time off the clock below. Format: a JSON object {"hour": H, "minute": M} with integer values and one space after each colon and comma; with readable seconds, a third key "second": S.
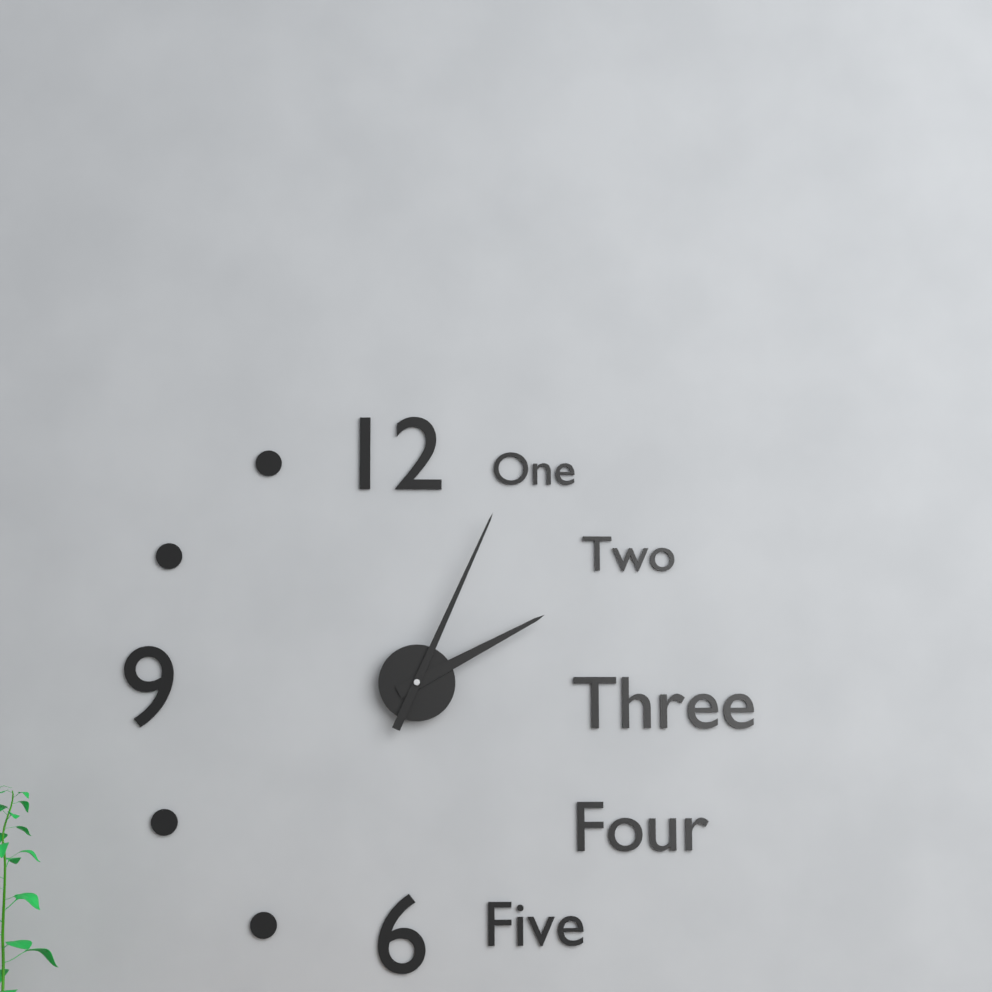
{"hour": 2, "minute": 4}
